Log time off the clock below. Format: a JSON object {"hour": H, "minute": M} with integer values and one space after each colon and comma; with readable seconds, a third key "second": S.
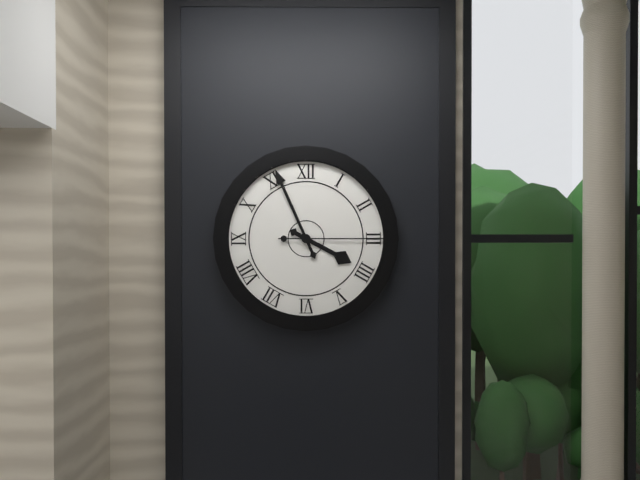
{"hour": 3, "minute": 56, "second": 15}
